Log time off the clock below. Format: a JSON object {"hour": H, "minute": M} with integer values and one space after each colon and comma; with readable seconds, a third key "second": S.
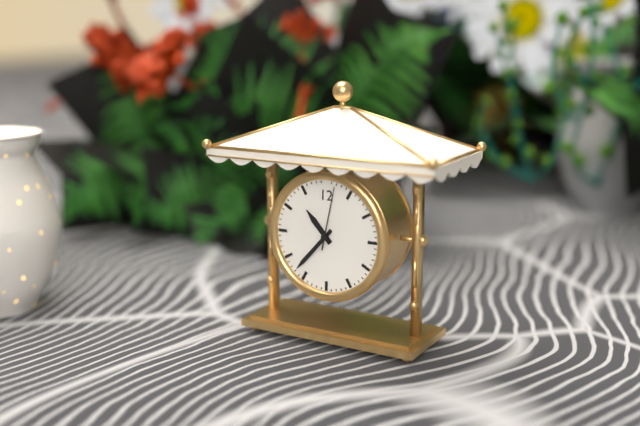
{"hour": 10, "minute": 37, "second": 2}
